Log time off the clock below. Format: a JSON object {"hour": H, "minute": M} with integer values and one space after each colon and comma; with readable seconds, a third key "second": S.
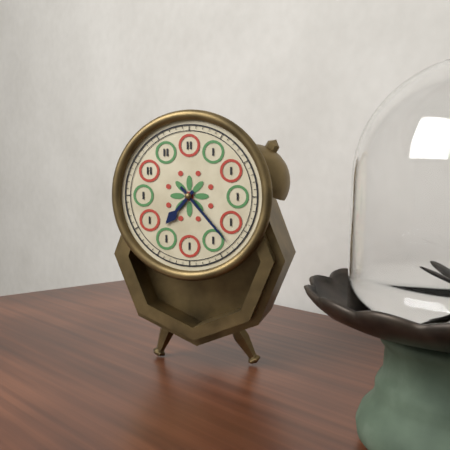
{"hour": 7, "minute": 23}
